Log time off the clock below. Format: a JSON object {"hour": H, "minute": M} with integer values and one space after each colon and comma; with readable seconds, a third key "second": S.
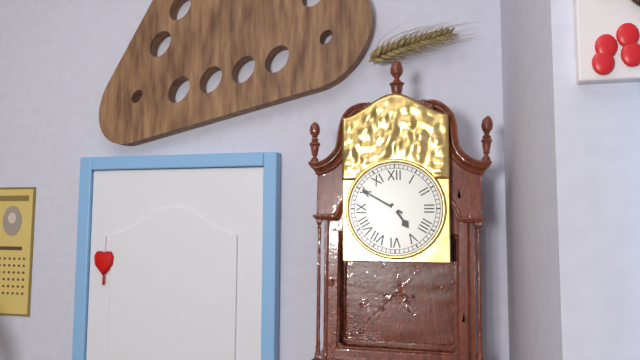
{"hour": 4, "minute": 50}
